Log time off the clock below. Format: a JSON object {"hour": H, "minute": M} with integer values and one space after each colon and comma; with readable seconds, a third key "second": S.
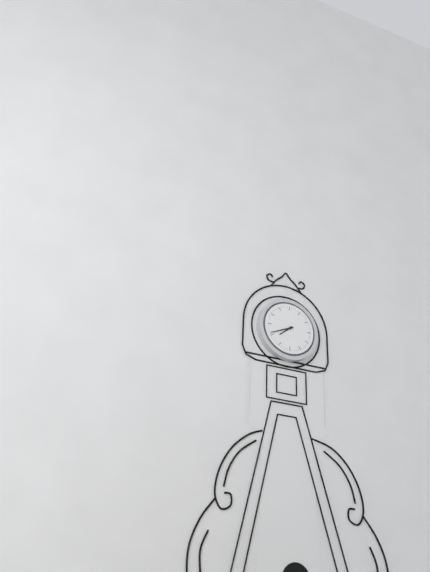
{"hour": 7, "minute": 41}
